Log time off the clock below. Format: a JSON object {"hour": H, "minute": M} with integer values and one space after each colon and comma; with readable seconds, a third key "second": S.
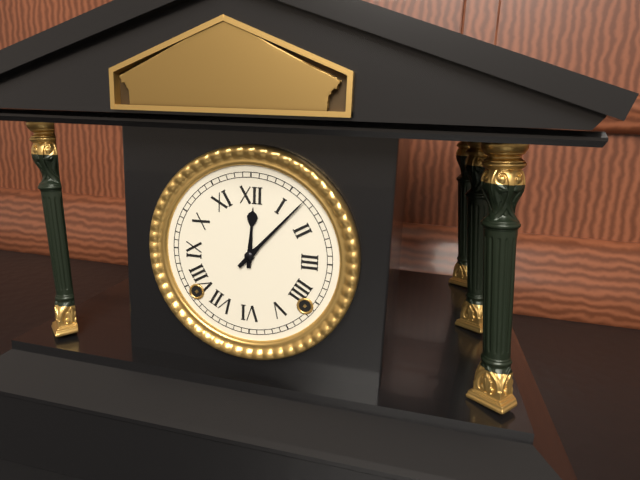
{"hour": 12, "minute": 7}
